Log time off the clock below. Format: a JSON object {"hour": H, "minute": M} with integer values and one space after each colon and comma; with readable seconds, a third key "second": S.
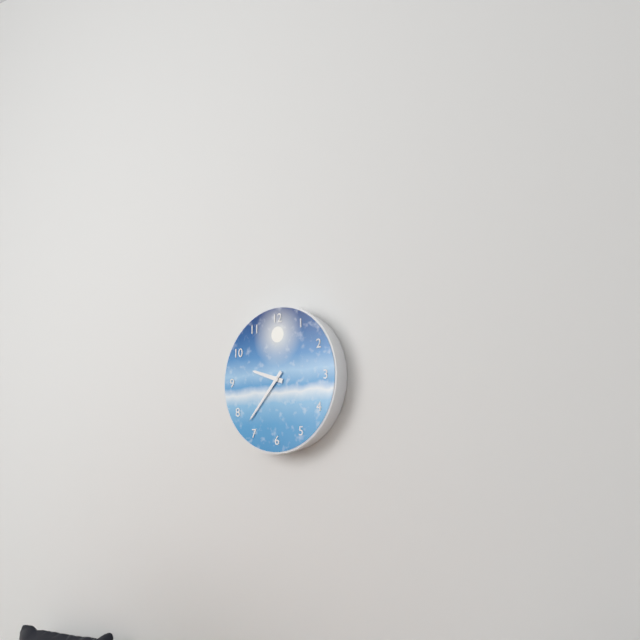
{"hour": 9, "minute": 37}
